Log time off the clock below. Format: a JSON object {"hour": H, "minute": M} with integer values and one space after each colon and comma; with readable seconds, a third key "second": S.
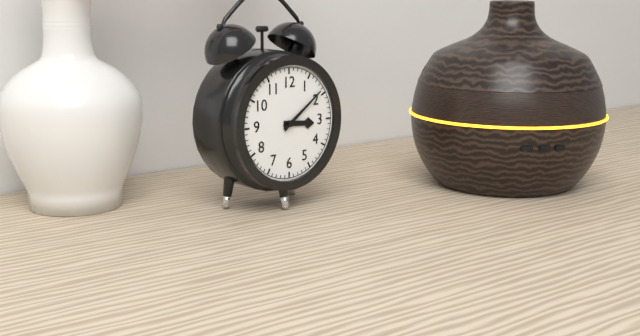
{"hour": 3, "minute": 9}
